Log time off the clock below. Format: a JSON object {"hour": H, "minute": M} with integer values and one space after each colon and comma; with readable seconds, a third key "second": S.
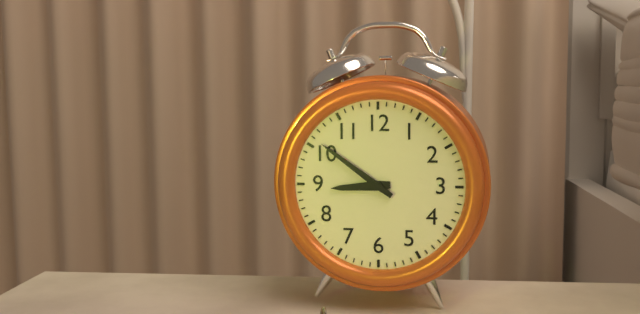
{"hour": 8, "minute": 51}
